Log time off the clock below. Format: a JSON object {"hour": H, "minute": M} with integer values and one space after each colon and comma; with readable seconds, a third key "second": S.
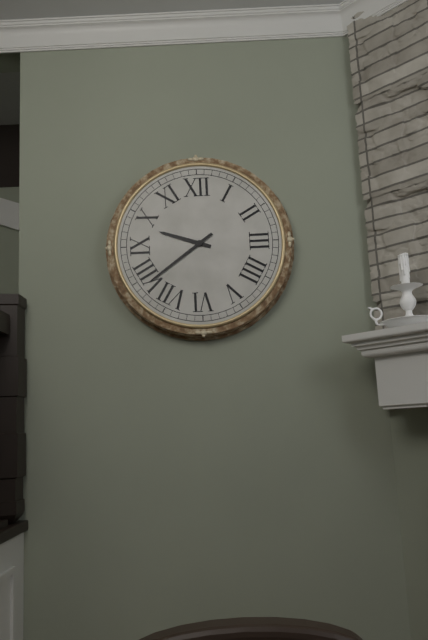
{"hour": 9, "minute": 39}
